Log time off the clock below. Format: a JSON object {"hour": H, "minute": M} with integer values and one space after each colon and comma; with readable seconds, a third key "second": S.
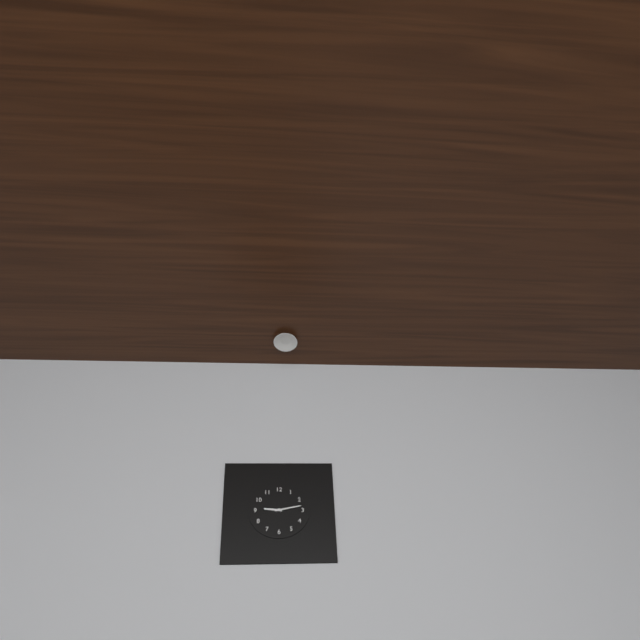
{"hour": 9, "minute": 13}
